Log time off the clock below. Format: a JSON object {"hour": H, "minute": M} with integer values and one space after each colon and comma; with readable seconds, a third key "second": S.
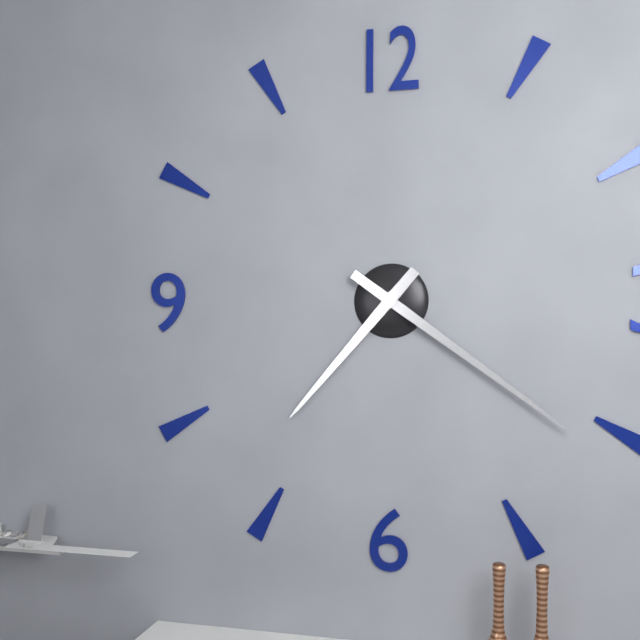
{"hour": 7, "minute": 21}
